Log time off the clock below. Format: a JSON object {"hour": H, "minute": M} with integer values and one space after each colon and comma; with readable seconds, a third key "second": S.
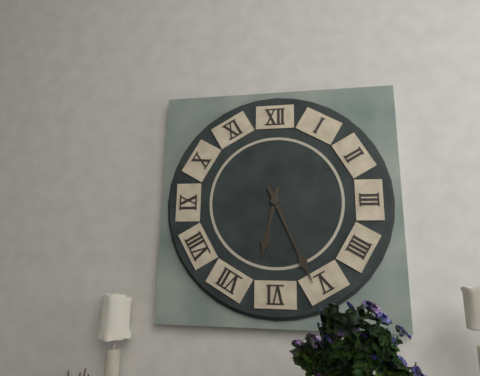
{"hour": 6, "minute": 26}
